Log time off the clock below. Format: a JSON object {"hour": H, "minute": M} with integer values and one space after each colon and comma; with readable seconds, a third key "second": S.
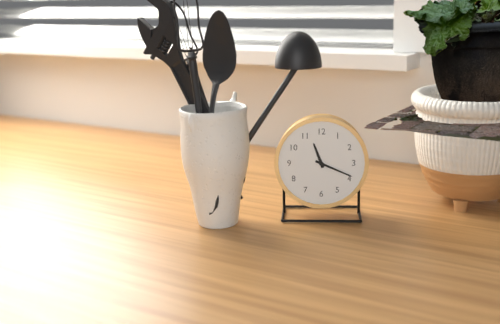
{"hour": 11, "minute": 19}
